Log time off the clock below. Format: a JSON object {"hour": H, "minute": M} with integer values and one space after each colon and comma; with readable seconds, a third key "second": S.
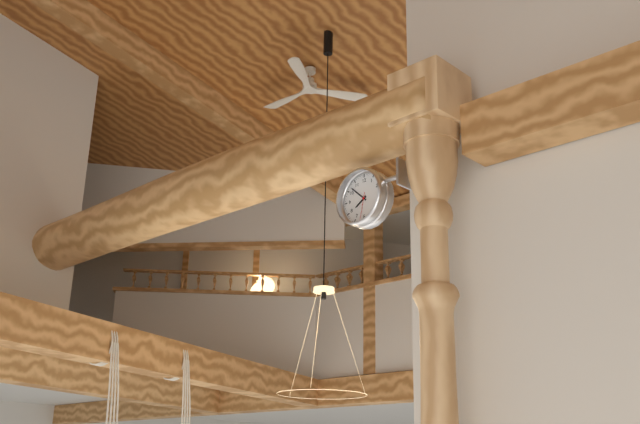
{"hour": 7, "minute": 52}
